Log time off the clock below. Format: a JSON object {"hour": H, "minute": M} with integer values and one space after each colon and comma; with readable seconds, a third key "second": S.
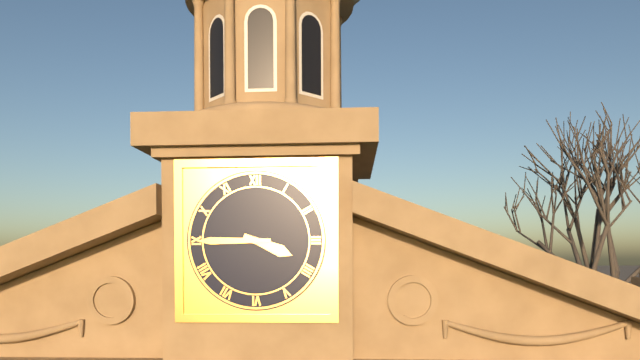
{"hour": 3, "minute": 45}
